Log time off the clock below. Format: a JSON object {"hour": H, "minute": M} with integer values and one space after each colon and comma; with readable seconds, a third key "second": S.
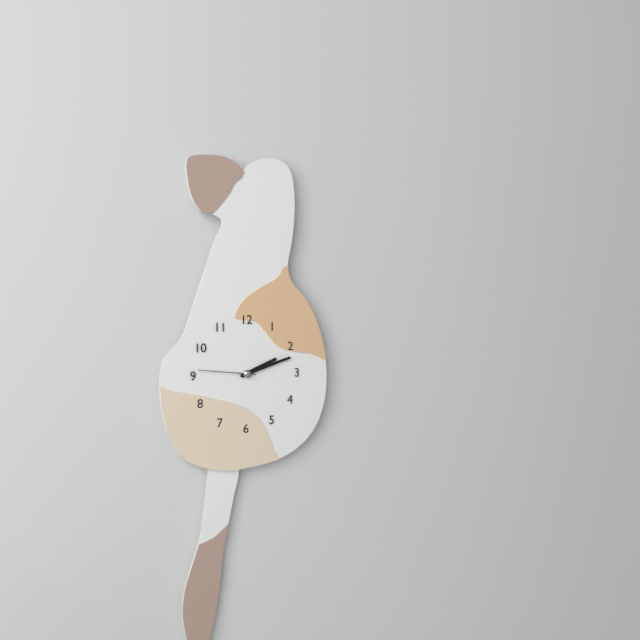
{"hour": 2, "minute": 12, "second": 46}
